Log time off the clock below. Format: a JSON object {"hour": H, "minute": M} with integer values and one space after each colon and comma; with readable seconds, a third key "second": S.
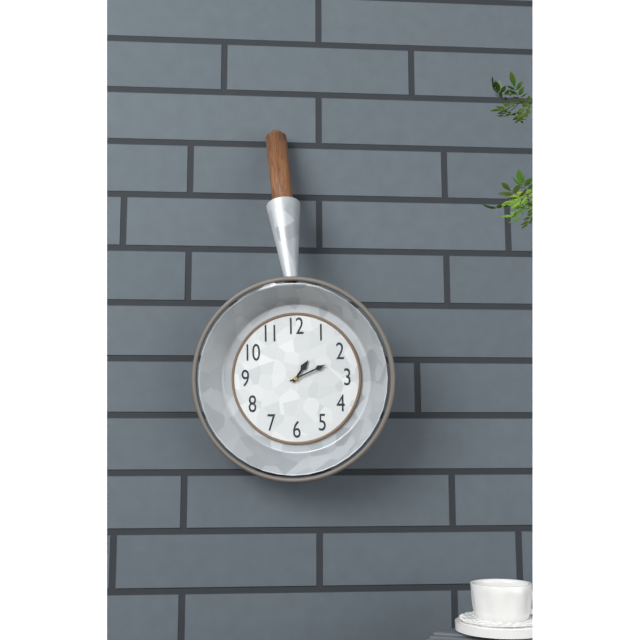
{"hour": 1, "minute": 11}
